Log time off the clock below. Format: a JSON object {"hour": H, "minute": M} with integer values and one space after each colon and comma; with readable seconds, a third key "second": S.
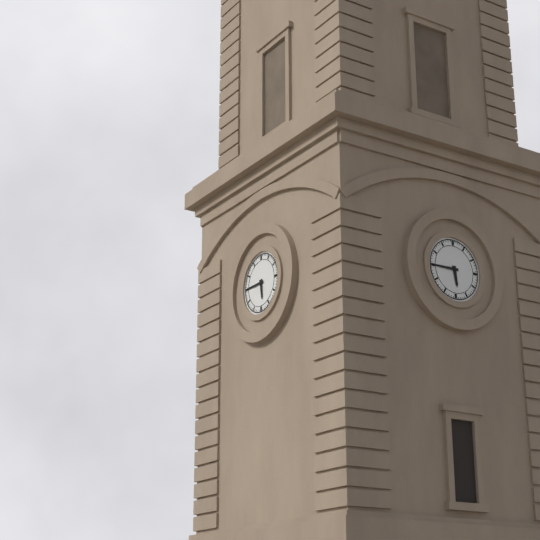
{"hour": 5, "minute": 45}
